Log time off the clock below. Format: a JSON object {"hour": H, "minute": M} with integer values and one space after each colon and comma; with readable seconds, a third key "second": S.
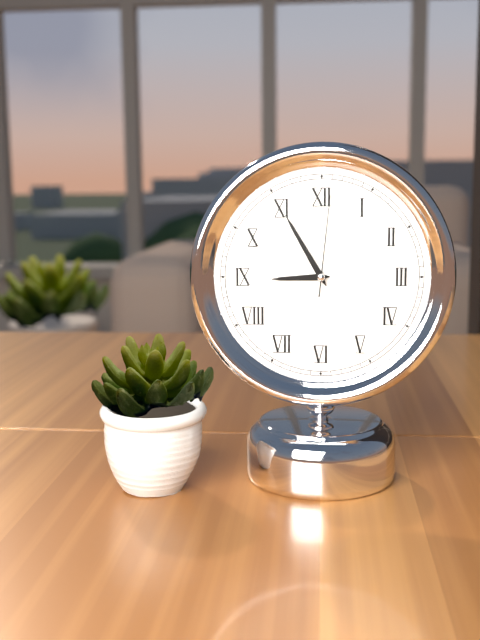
{"hour": 8, "minute": 55, "second": 1}
